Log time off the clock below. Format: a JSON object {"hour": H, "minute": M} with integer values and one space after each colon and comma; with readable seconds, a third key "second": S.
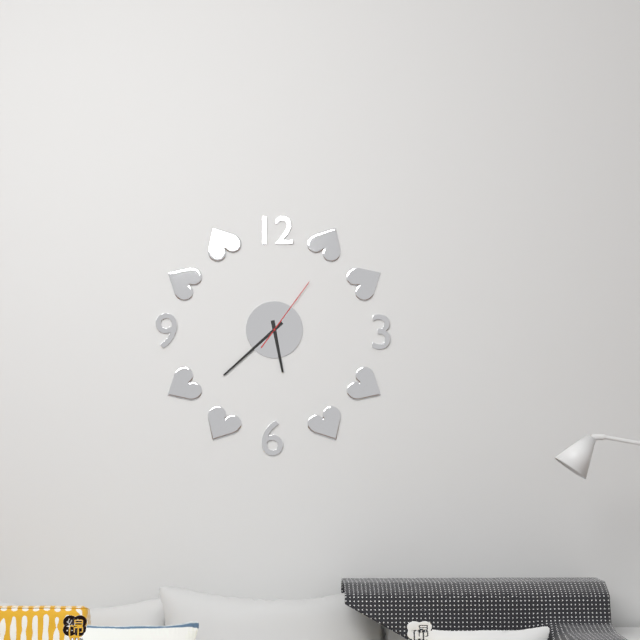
{"hour": 5, "minute": 38, "second": 6}
